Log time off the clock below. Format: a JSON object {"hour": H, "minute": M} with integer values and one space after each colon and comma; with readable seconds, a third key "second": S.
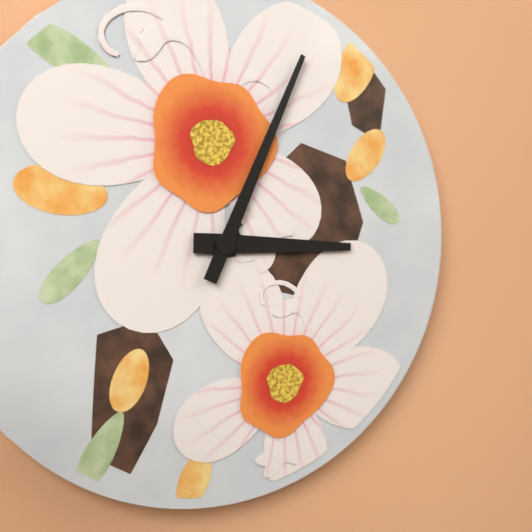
{"hour": 3, "minute": 4}
